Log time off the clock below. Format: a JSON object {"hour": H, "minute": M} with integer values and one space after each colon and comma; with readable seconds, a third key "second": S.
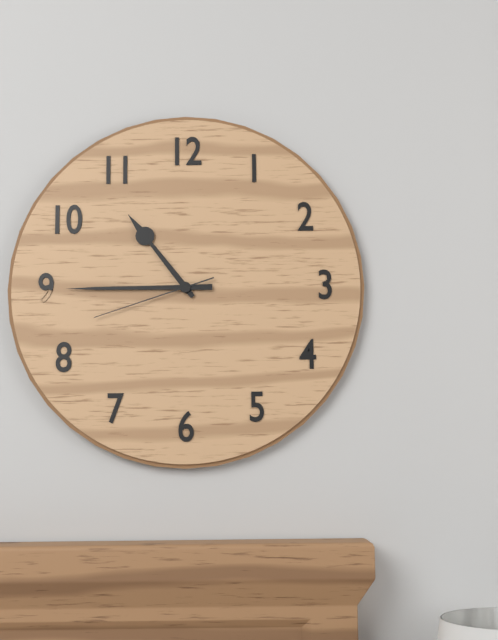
{"hour": 10, "minute": 45, "second": 42}
